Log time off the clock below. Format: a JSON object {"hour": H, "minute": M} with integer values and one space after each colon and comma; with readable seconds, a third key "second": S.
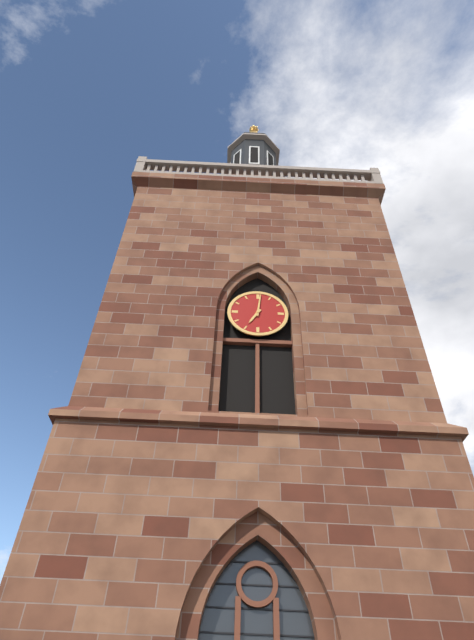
{"hour": 7, "minute": 1}
